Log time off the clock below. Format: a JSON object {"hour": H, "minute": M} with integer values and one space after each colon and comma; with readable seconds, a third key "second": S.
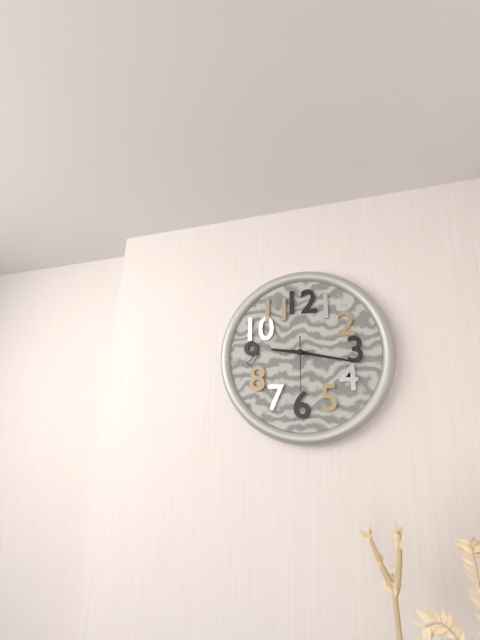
{"hour": 9, "minute": 17, "second": 30}
